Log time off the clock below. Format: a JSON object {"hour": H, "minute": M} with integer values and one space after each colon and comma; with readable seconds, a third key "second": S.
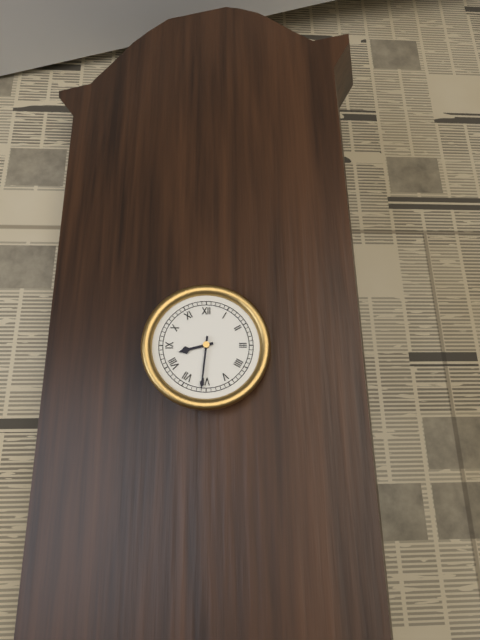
{"hour": 8, "minute": 31}
